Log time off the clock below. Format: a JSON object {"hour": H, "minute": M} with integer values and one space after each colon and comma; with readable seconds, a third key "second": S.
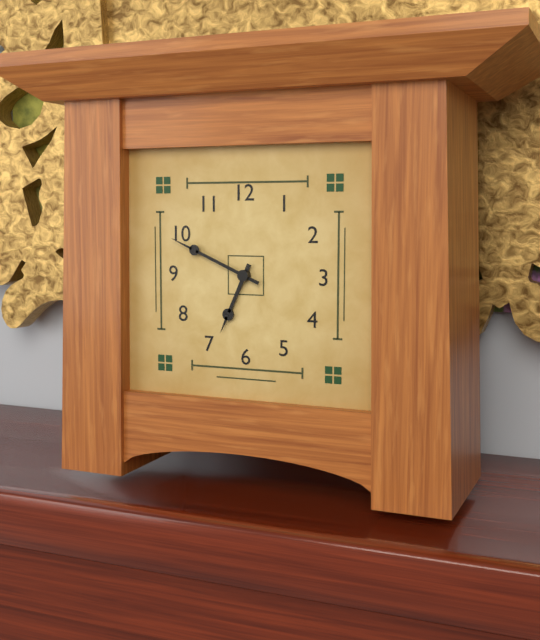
{"hour": 6, "minute": 49}
